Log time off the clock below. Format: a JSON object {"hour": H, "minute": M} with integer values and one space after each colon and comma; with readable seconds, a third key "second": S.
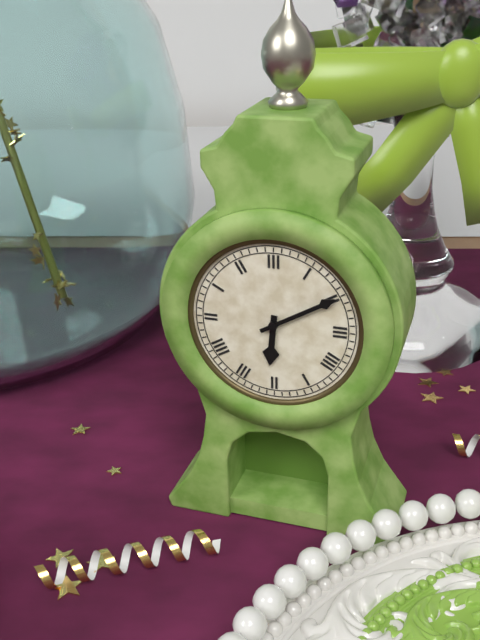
{"hour": 6, "minute": 10}
